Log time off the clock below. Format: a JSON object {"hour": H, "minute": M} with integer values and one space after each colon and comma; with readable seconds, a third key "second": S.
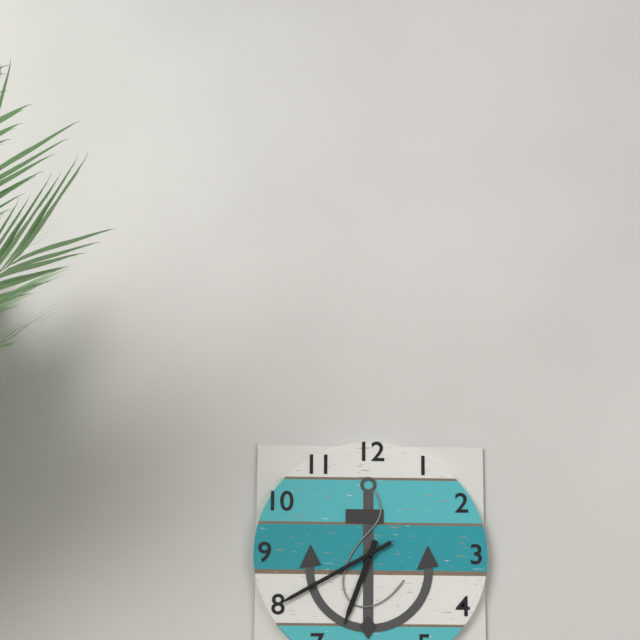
{"hour": 6, "minute": 40, "second": 40}
